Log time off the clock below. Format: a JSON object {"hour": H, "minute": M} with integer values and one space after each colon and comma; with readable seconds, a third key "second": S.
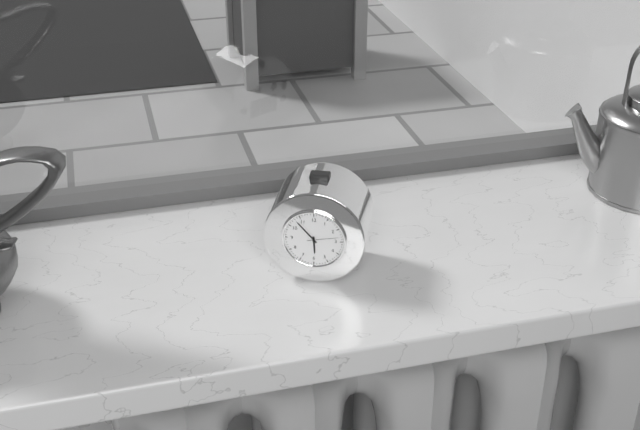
{"hour": 5, "minute": 53}
